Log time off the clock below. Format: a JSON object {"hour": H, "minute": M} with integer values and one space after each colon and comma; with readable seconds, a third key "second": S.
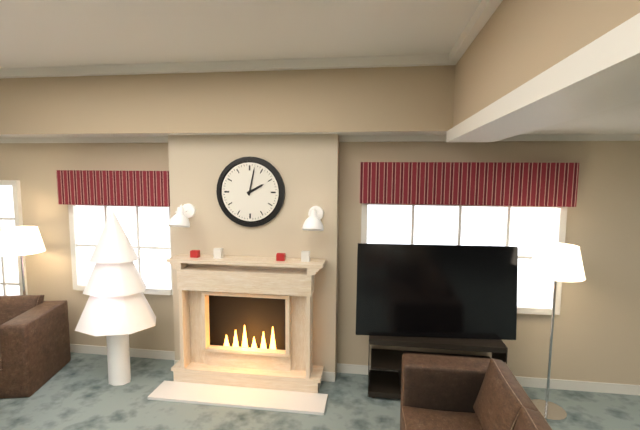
{"hour": 2, "minute": 2}
